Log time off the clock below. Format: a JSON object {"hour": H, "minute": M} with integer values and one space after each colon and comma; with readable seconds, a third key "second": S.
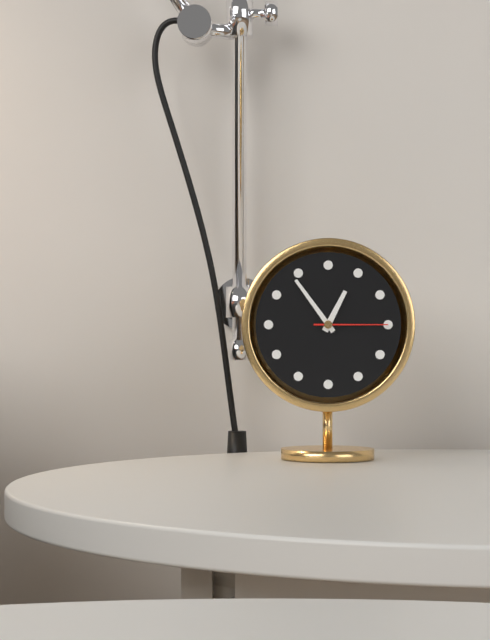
{"hour": 12, "minute": 54, "second": 15}
